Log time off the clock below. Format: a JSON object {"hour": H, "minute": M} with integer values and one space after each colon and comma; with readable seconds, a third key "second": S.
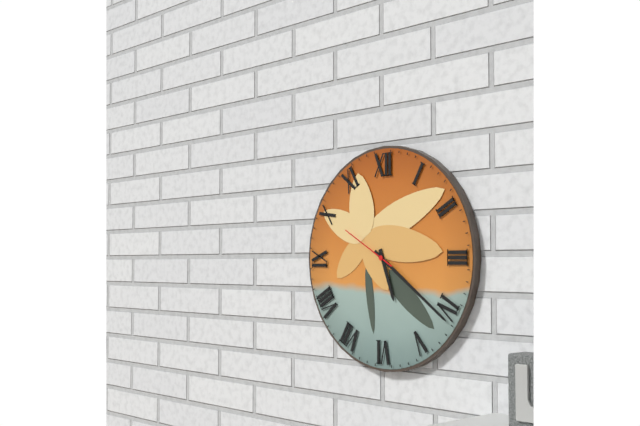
{"hour": 5, "minute": 21, "second": 50}
